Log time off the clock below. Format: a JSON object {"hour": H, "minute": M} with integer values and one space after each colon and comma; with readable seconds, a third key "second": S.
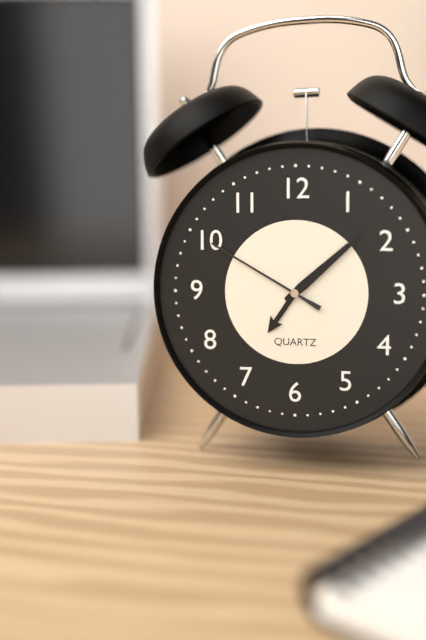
{"hour": 7, "minute": 8, "second": 50}
